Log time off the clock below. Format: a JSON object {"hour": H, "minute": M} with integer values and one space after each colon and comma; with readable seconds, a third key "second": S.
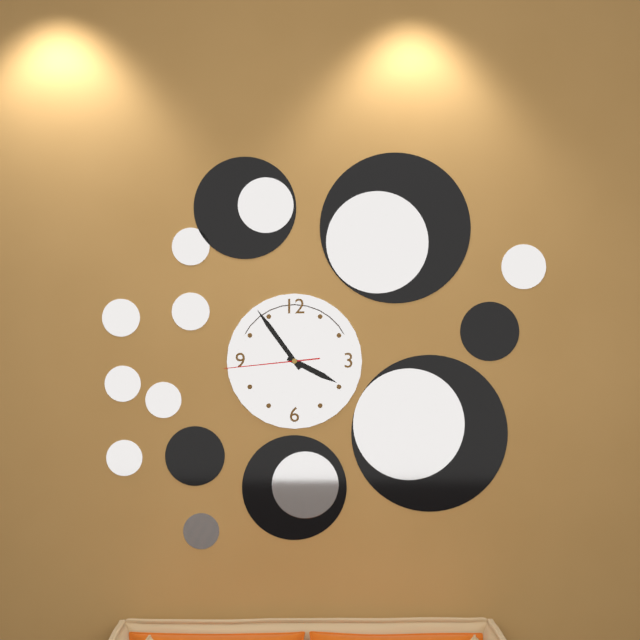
{"hour": 3, "minute": 54, "second": 44}
